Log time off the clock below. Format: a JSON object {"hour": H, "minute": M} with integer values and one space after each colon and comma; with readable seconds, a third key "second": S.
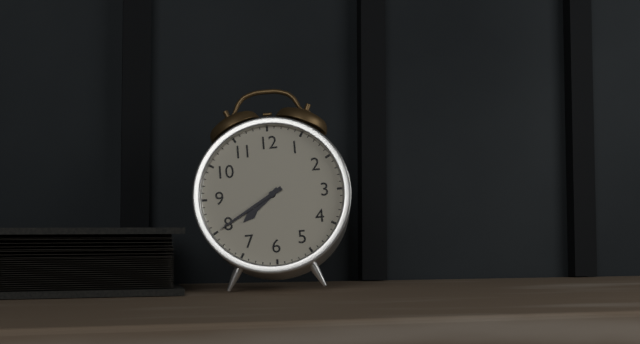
{"hour": 7, "minute": 40}
